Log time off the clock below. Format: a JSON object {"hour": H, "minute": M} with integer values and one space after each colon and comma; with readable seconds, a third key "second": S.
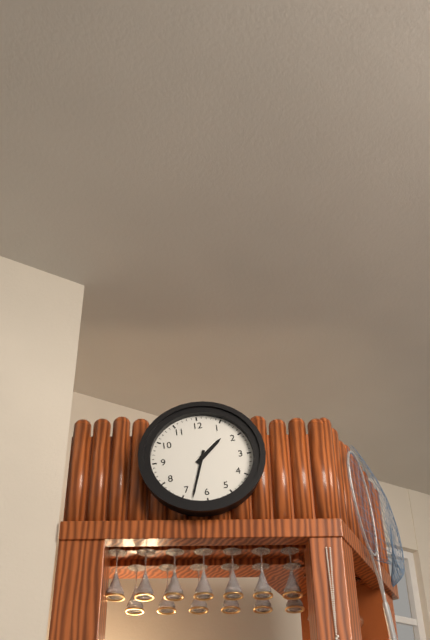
{"hour": 1, "minute": 33}
